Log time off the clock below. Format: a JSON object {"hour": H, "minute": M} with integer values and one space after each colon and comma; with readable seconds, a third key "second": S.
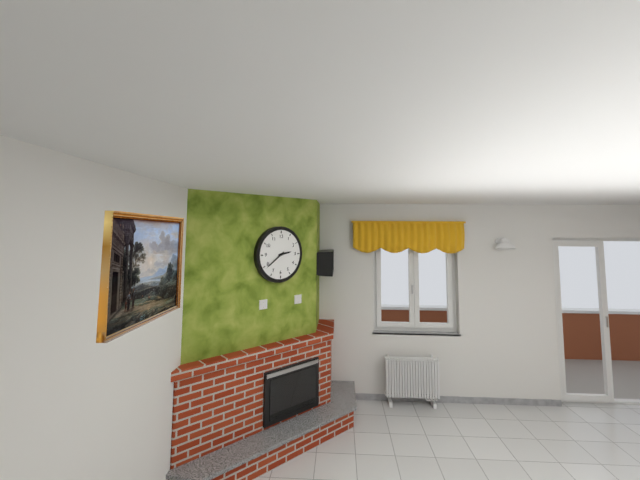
{"hour": 2, "minute": 39}
